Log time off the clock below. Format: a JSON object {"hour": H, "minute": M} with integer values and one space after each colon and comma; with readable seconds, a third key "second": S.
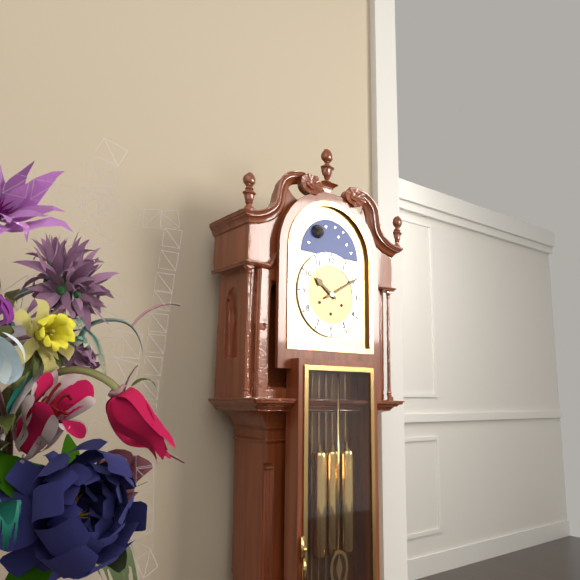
{"hour": 10, "minute": 10}
